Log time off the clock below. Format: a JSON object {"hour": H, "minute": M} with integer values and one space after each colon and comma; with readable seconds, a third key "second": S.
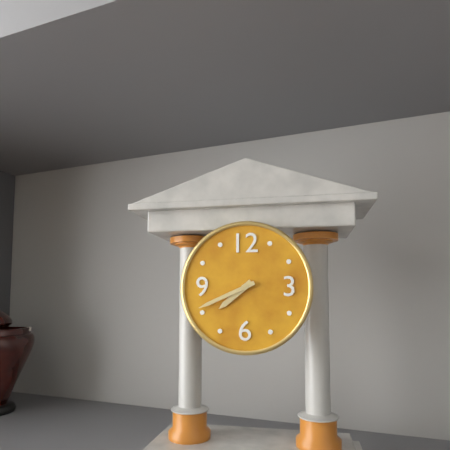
{"hour": 7, "minute": 41}
